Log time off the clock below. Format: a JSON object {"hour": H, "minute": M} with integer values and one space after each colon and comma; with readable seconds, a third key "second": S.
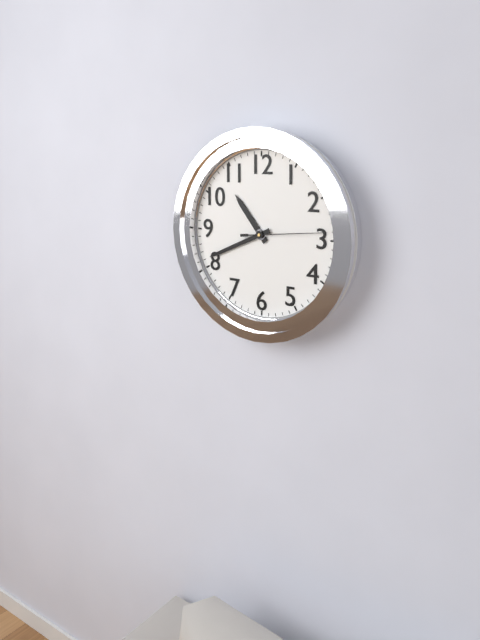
{"hour": 10, "minute": 41, "second": 14}
